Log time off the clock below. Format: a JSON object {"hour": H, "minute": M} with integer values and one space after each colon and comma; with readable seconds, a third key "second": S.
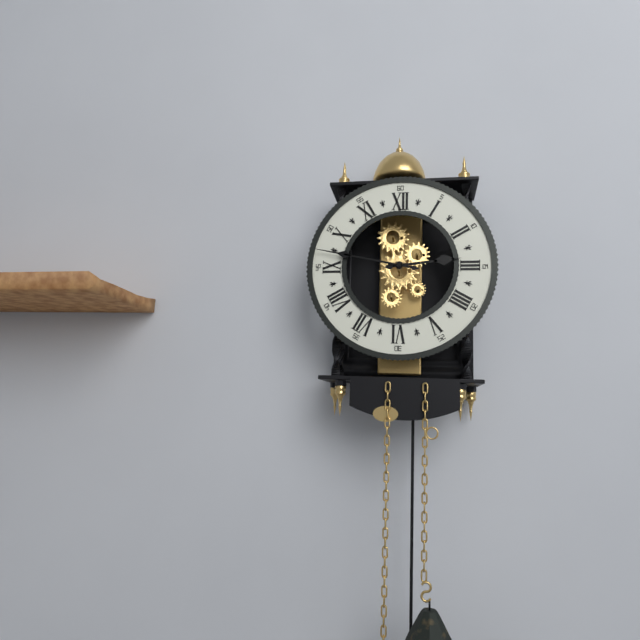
{"hour": 2, "minute": 47}
